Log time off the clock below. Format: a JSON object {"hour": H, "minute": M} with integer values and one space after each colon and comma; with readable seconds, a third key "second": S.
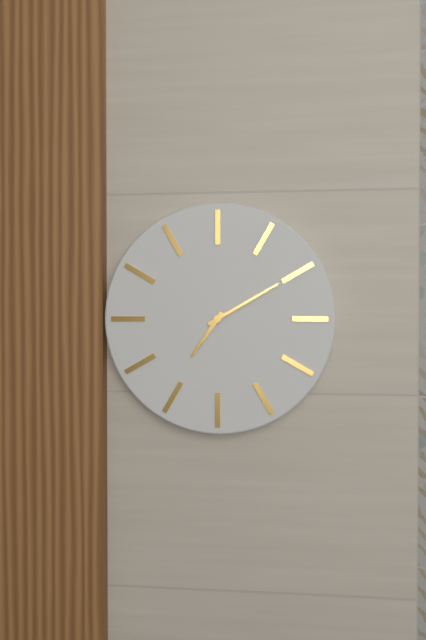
{"hour": 7, "minute": 10}
